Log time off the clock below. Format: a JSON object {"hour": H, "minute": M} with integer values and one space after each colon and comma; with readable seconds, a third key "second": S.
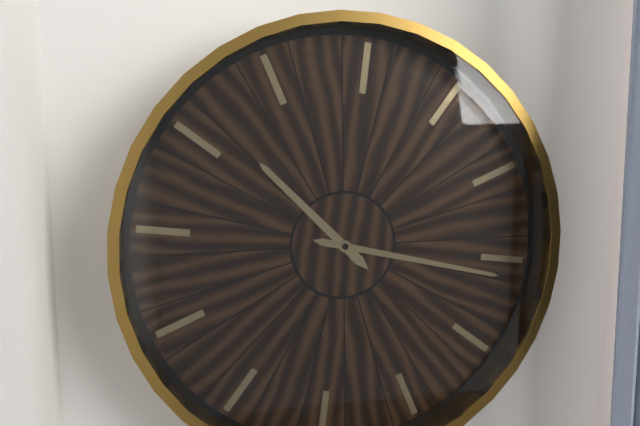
{"hour": 10, "minute": 16}
